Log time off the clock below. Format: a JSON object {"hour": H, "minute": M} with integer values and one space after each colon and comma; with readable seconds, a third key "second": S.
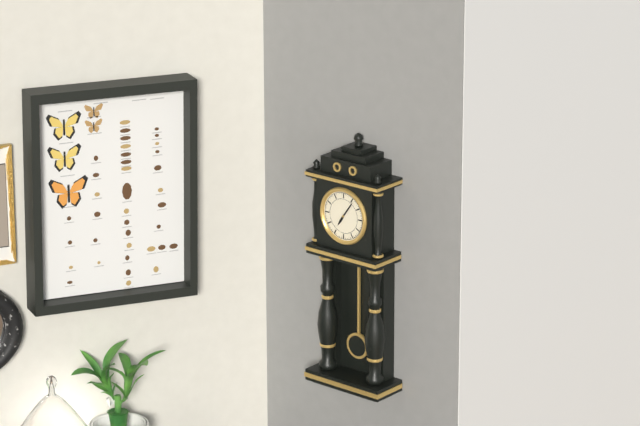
{"hour": 7, "minute": 6}
